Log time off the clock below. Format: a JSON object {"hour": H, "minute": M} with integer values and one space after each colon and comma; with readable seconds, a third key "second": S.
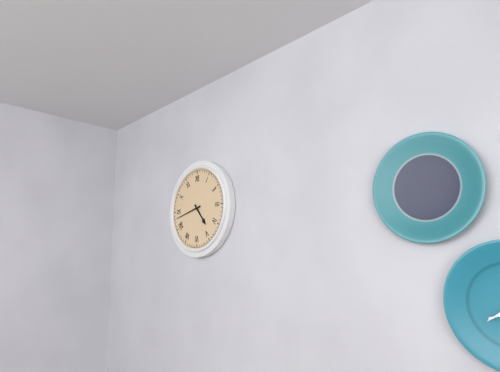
{"hour": 4, "minute": 43}
